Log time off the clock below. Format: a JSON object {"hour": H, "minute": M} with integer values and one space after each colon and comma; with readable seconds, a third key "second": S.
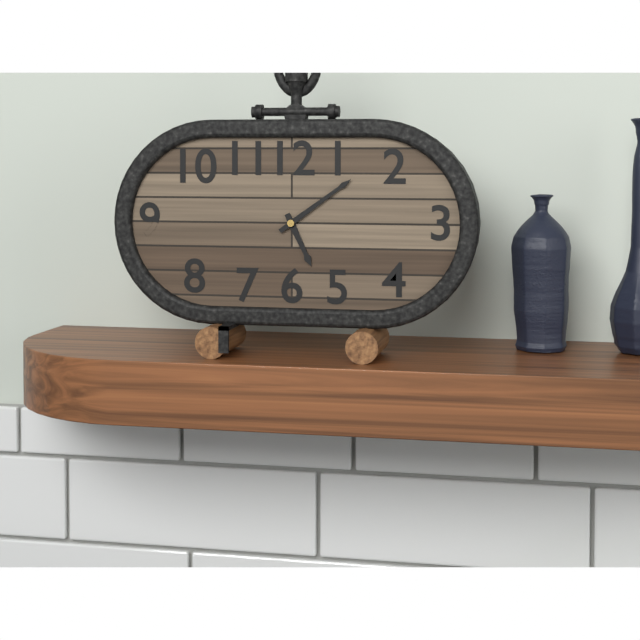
{"hour": 5, "minute": 9}
